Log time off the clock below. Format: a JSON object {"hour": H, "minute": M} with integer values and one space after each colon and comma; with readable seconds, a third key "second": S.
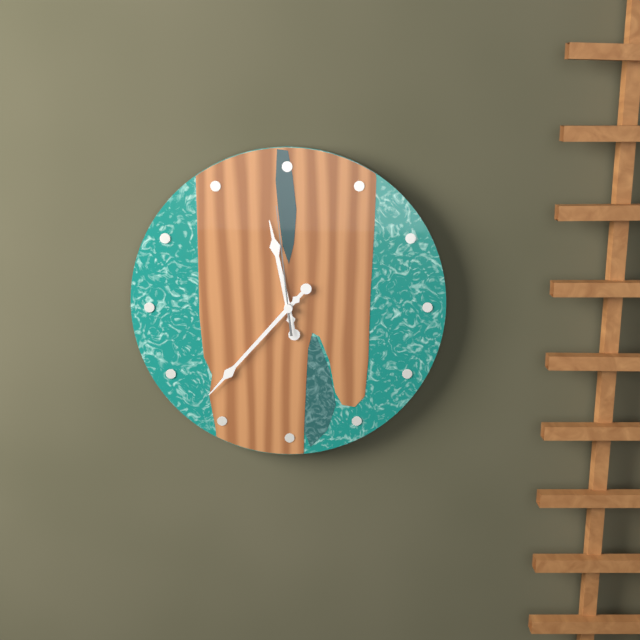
{"hour": 11, "minute": 37, "second": 59}
